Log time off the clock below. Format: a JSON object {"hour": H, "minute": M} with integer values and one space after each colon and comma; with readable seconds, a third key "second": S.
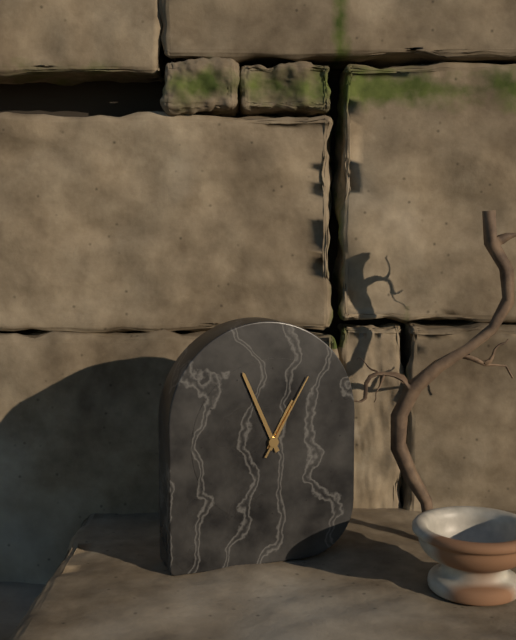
{"hour": 12, "minute": 56, "second": 5}
